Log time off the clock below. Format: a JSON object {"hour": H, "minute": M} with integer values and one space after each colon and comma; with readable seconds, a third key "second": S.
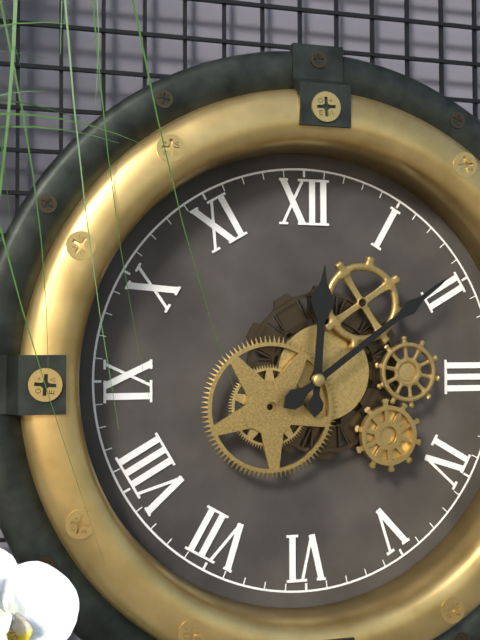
{"hour": 12, "minute": 9}
